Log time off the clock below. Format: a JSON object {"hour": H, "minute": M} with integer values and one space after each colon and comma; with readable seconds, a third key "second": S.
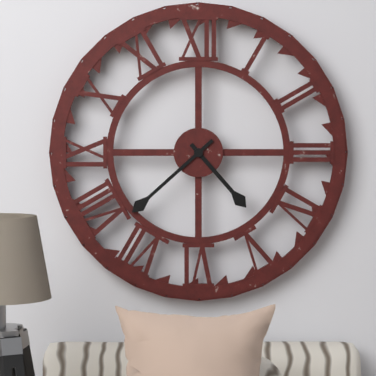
{"hour": 4, "minute": 38}
